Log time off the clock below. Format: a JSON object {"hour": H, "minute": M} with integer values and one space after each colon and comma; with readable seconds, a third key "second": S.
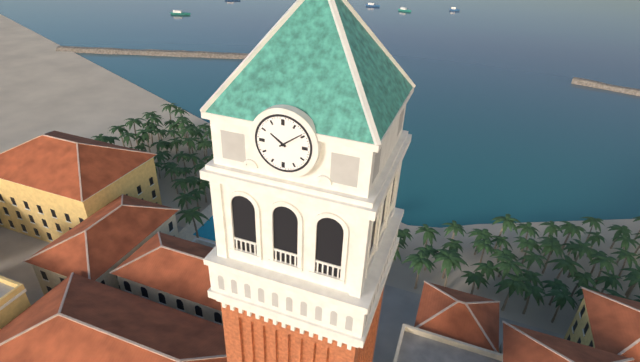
{"hour": 10, "minute": 9}
